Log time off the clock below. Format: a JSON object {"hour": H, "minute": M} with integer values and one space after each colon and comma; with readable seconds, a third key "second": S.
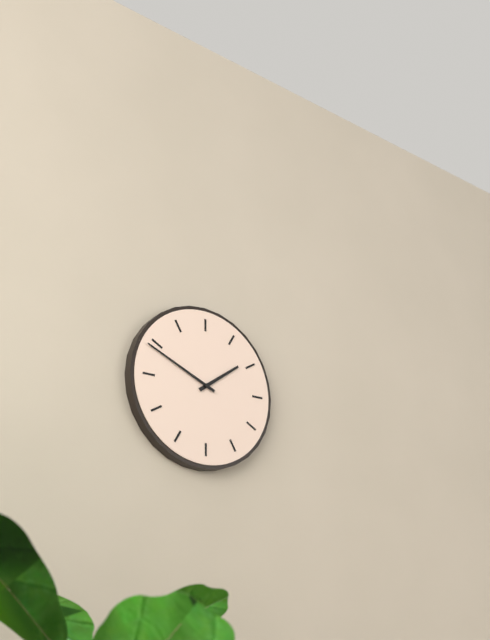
{"hour": 1, "minute": 49}
